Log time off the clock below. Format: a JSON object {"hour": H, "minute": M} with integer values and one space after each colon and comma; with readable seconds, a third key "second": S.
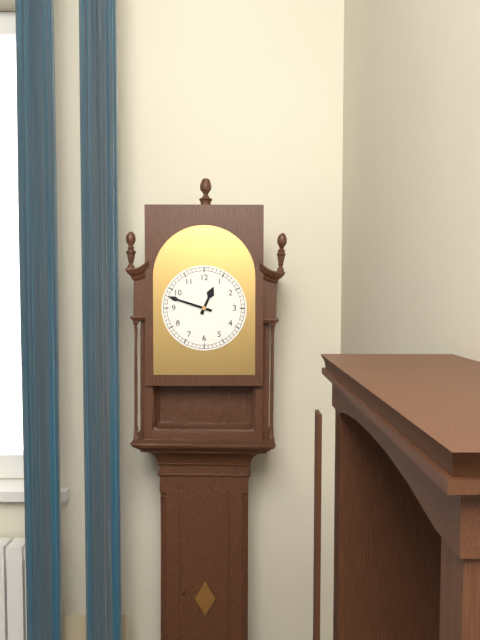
{"hour": 12, "minute": 48}
